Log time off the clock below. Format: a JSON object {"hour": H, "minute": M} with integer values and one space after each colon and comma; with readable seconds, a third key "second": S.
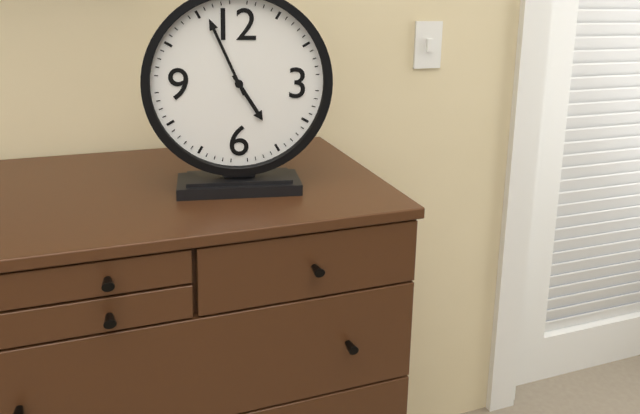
{"hour": 4, "minute": 56}
